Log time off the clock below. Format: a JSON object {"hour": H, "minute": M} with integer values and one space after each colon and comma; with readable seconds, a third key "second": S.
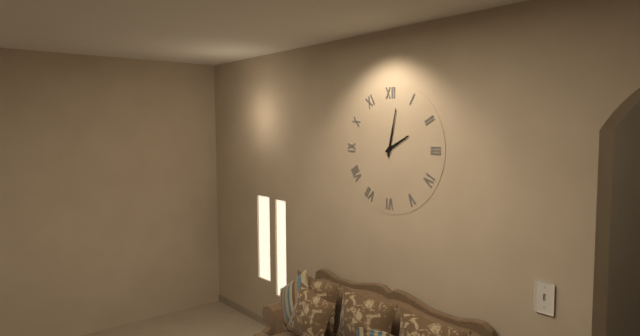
{"hour": 2, "minute": 2}
